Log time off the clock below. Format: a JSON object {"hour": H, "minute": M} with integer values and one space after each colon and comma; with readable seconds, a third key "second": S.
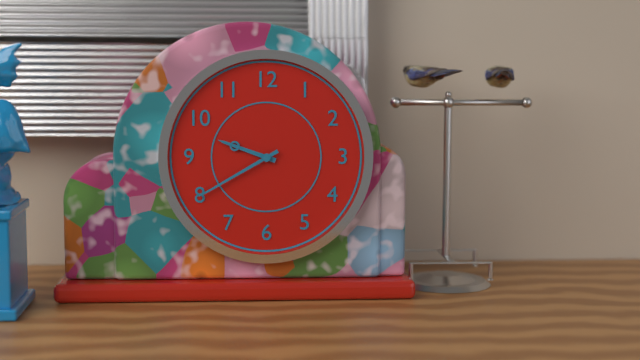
{"hour": 9, "minute": 40}
